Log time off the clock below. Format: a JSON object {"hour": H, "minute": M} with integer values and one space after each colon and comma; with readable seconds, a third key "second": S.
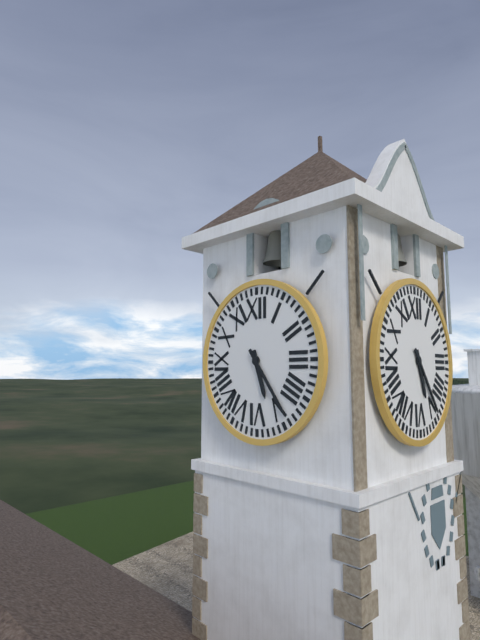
{"hour": 5, "minute": 24}
